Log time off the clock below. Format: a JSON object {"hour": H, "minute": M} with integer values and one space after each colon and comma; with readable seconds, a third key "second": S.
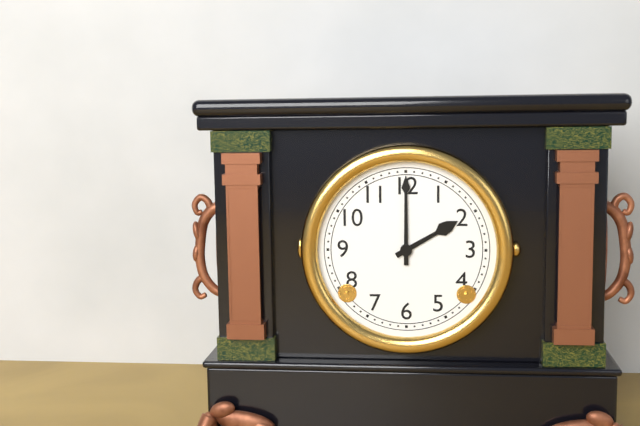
{"hour": 2, "minute": 0}
